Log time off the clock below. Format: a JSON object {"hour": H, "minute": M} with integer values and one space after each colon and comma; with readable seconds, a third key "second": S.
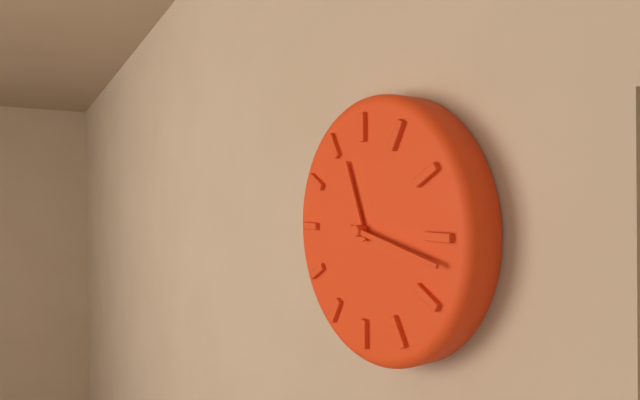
{"hour": 11, "minute": 17}
